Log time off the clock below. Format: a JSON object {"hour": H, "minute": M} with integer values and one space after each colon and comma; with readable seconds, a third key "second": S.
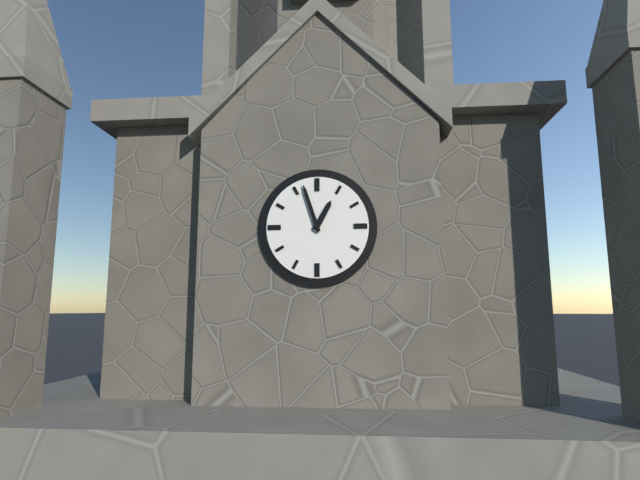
{"hour": 12, "minute": 57}
